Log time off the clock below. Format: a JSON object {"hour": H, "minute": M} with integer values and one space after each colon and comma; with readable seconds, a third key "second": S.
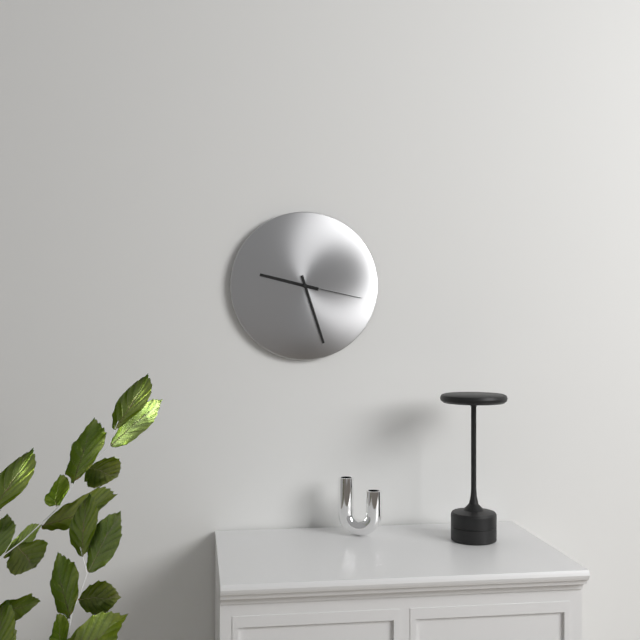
{"hour": 9, "minute": 27, "second": 17}
